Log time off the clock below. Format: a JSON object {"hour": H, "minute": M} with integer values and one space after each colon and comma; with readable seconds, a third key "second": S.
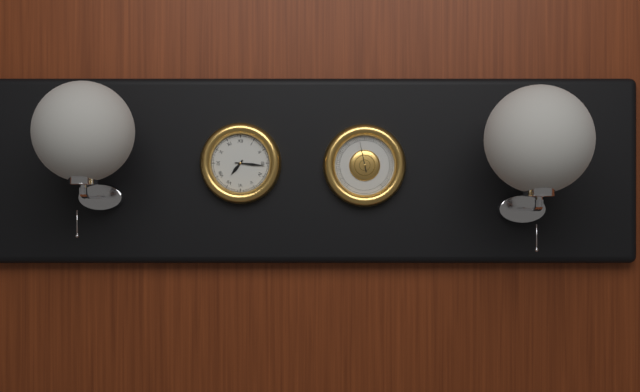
{"hour": 7, "minute": 16}
